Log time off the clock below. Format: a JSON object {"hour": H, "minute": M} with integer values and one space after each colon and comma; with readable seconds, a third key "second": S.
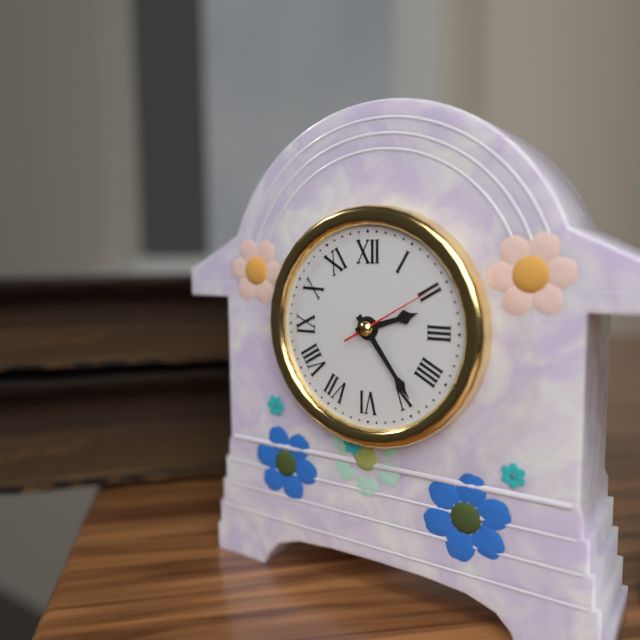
{"hour": 2, "minute": 24, "second": 10}
